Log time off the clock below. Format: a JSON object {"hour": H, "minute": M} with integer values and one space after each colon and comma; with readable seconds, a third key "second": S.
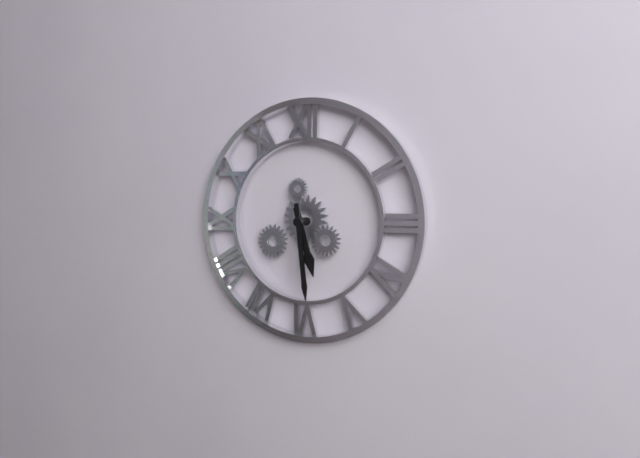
{"hour": 5, "minute": 29}
